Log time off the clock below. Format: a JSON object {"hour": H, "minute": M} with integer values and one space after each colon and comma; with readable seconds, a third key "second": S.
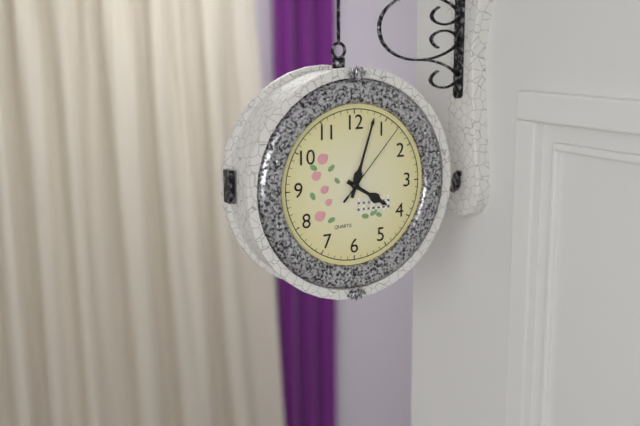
{"hour": 4, "minute": 3, "second": 7}
